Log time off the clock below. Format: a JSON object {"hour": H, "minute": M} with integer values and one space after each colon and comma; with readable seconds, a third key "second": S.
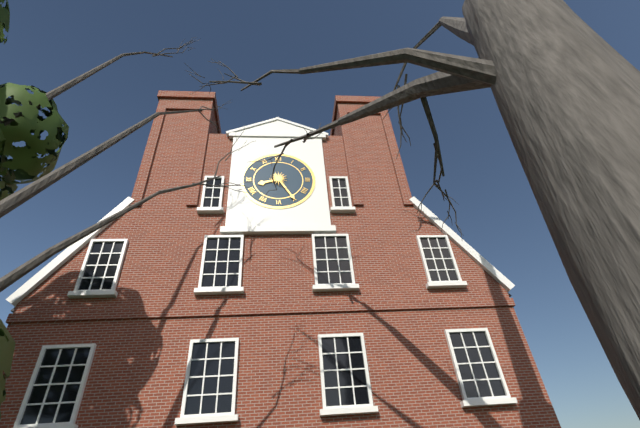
{"hour": 8, "minute": 25}
